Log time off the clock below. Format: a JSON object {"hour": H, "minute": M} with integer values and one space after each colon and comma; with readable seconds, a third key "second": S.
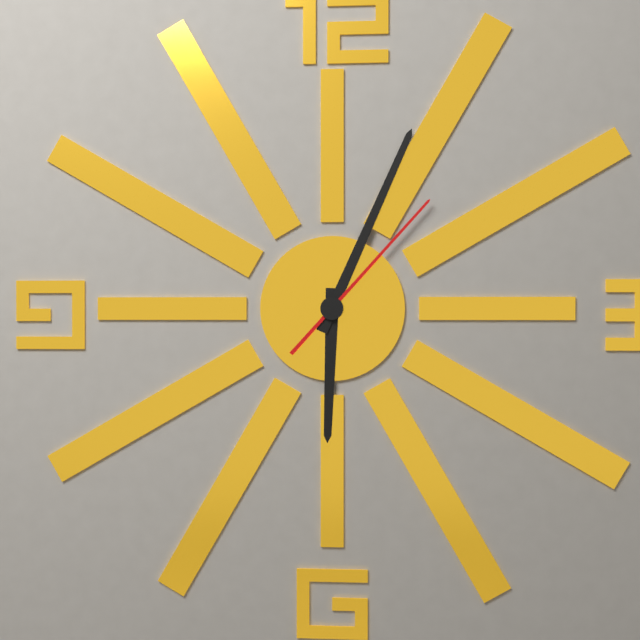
{"hour": 6, "minute": 4, "second": 7}
